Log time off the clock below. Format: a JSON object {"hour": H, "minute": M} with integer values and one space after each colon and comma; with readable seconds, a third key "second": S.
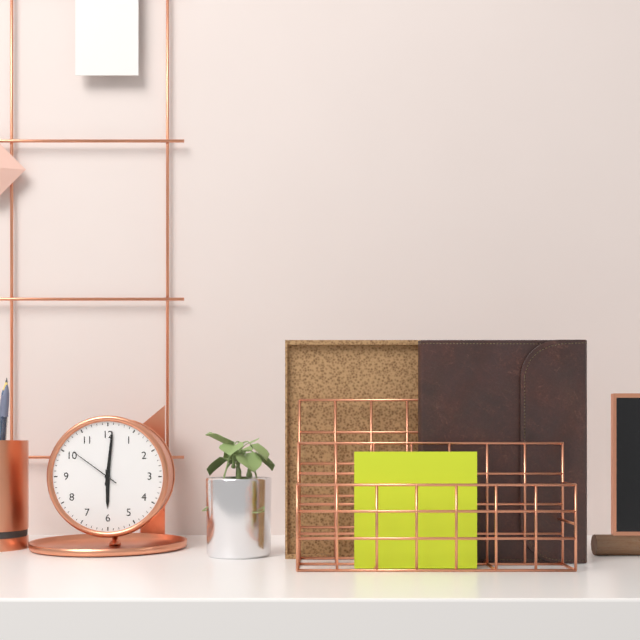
{"hour": 6, "minute": 1, "second": 51}
